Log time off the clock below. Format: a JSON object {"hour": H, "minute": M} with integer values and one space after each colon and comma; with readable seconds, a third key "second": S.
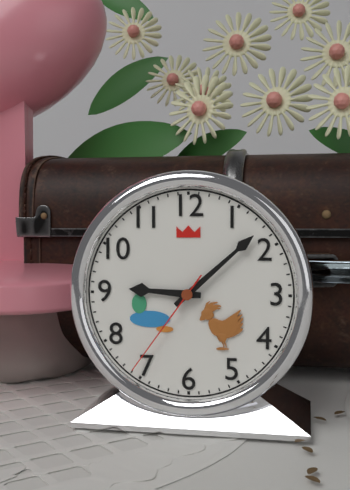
{"hour": 9, "minute": 8, "second": 36}
